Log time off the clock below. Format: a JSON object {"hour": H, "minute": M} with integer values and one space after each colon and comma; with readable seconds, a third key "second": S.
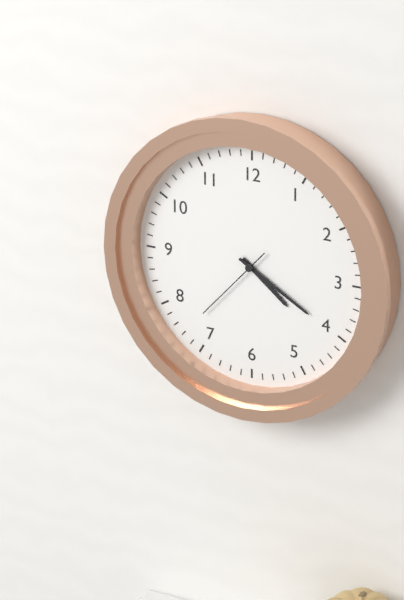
{"hour": 4, "minute": 20, "second": 37}
